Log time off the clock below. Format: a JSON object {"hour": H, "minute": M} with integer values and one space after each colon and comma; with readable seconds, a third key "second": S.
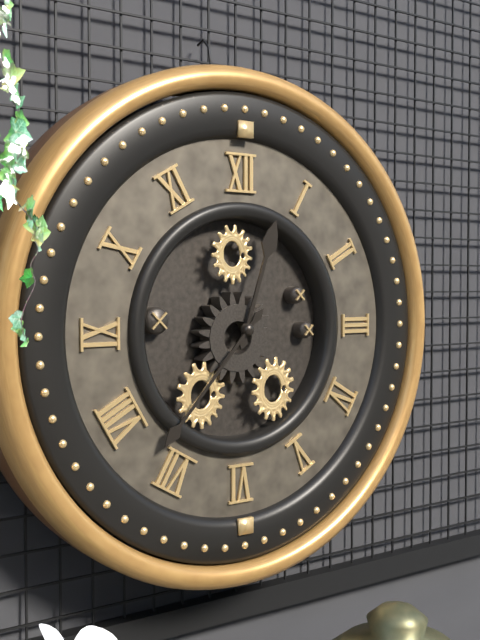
{"hour": 12, "minute": 37}
